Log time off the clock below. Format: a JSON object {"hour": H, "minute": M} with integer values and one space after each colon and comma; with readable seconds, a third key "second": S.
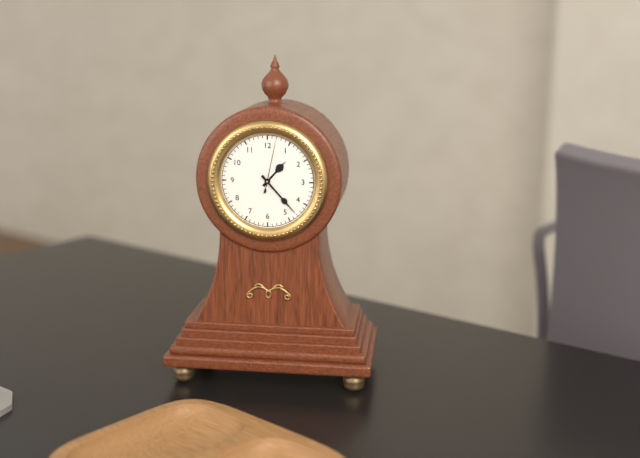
{"hour": 1, "minute": 23, "second": 2}
